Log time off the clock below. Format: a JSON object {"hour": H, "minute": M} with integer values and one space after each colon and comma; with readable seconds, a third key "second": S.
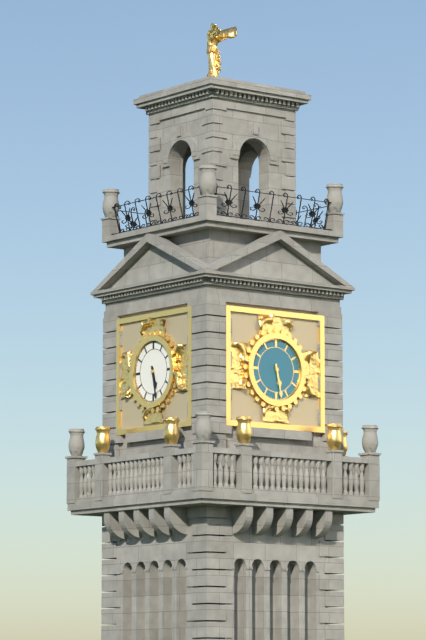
{"hour": 5, "minute": 28}
